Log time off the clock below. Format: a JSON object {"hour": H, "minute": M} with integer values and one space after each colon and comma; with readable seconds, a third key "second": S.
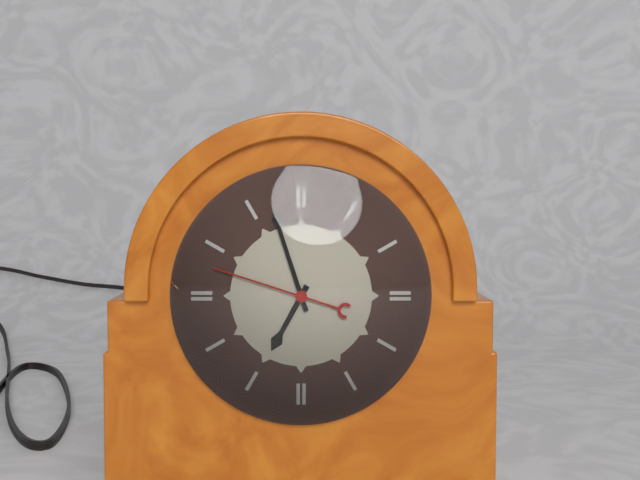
{"hour": 6, "minute": 57, "second": 48}
